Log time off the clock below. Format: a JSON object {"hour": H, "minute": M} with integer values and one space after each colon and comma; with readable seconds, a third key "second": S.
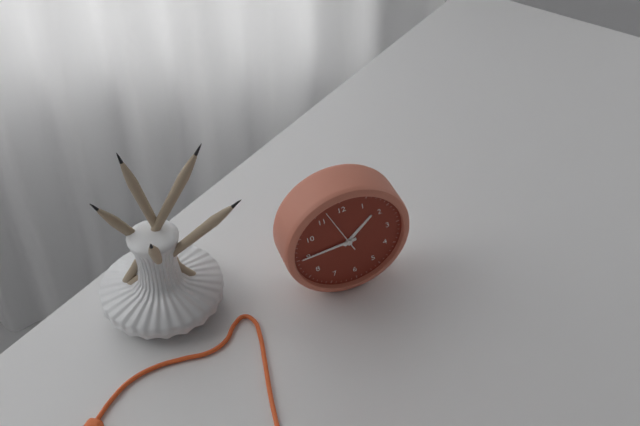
{"hour": 1, "minute": 45}
